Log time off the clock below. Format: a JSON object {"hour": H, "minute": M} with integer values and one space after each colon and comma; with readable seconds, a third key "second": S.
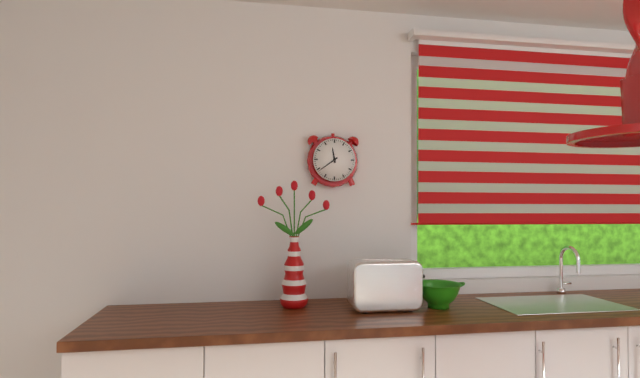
{"hour": 11, "minute": 39}
